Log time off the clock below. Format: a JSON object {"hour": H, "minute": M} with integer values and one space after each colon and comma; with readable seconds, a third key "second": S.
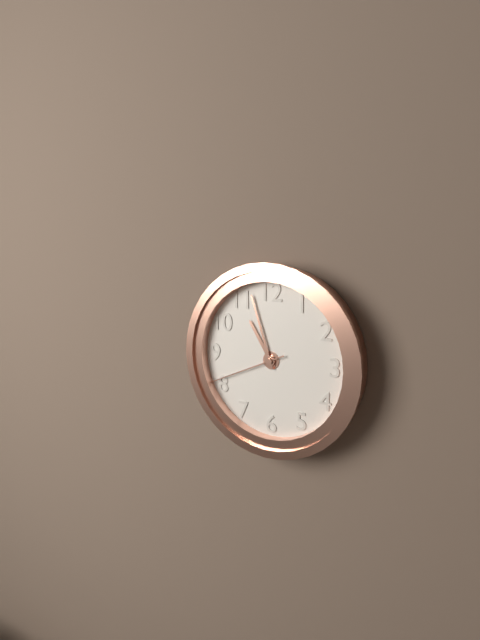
{"hour": 10, "minute": 57, "second": 41}
